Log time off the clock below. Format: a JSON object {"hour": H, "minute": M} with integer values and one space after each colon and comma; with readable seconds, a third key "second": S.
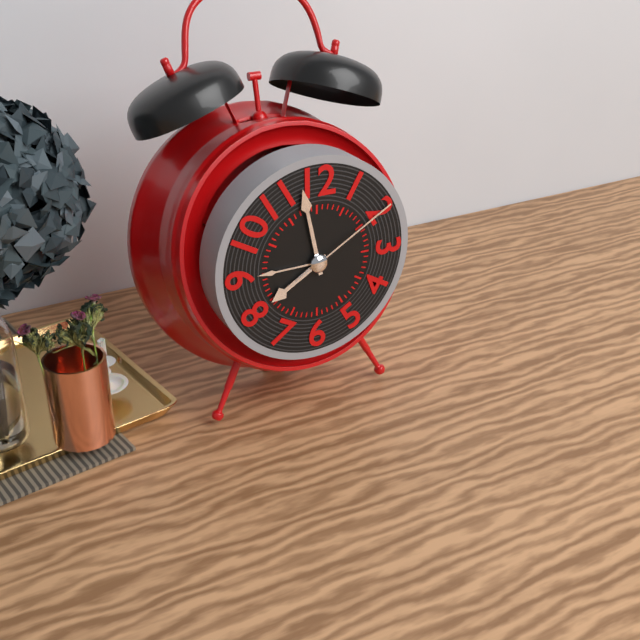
{"hour": 7, "minute": 58, "second": 10}
